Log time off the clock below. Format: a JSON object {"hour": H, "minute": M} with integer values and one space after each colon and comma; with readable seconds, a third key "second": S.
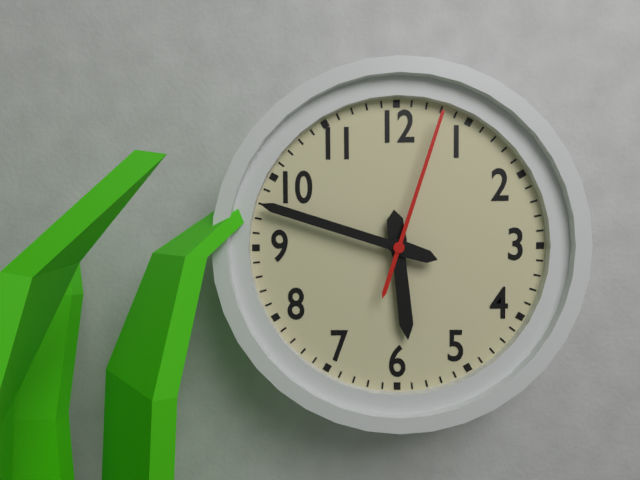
{"hour": 5, "minute": 48, "second": 3}
